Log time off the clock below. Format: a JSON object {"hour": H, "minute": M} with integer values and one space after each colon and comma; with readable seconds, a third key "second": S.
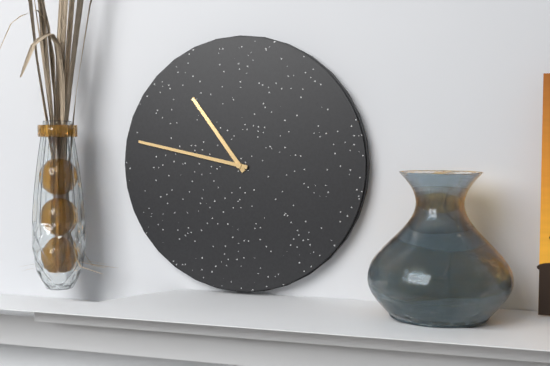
{"hour": 10, "minute": 47}
